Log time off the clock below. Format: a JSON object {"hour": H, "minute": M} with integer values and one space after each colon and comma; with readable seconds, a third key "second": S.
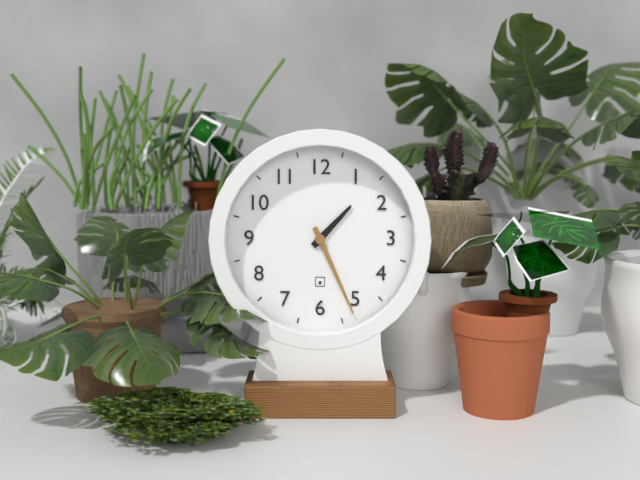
{"hour": 1, "minute": 26}
